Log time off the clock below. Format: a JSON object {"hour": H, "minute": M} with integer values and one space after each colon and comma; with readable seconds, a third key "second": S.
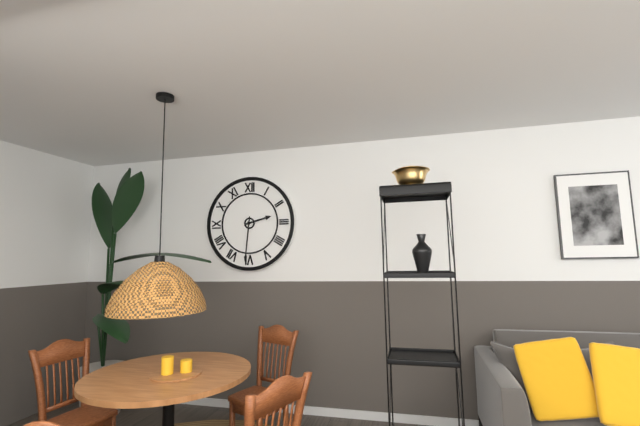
{"hour": 2, "minute": 31}
